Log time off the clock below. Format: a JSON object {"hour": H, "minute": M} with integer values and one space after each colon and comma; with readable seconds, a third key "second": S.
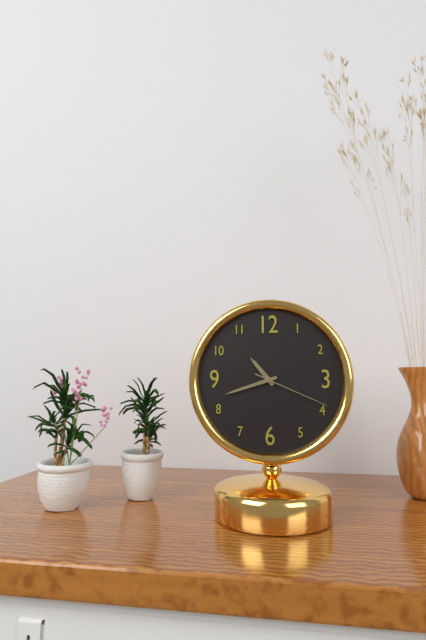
{"hour": 10, "minute": 42, "second": 19}
